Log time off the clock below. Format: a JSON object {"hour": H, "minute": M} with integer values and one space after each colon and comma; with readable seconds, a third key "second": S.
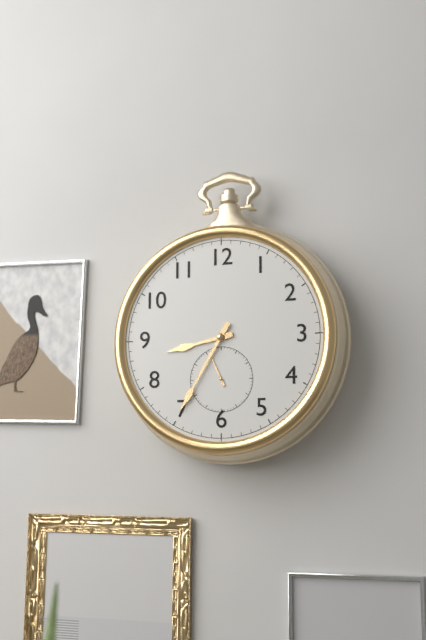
{"hour": 8, "minute": 35}
